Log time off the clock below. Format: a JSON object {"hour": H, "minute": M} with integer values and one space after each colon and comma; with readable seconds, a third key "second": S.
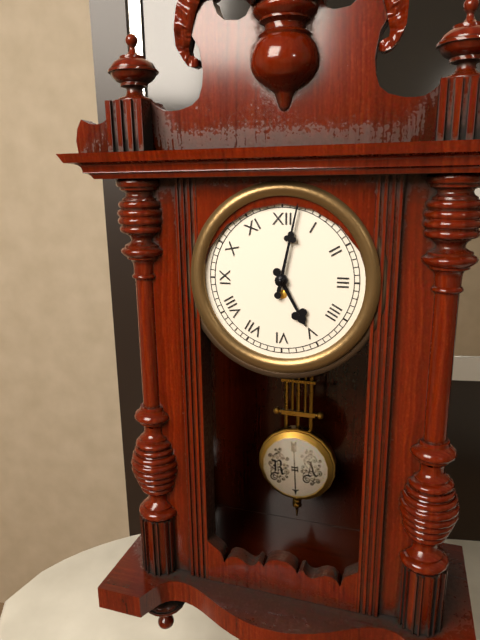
{"hour": 5, "minute": 2}
